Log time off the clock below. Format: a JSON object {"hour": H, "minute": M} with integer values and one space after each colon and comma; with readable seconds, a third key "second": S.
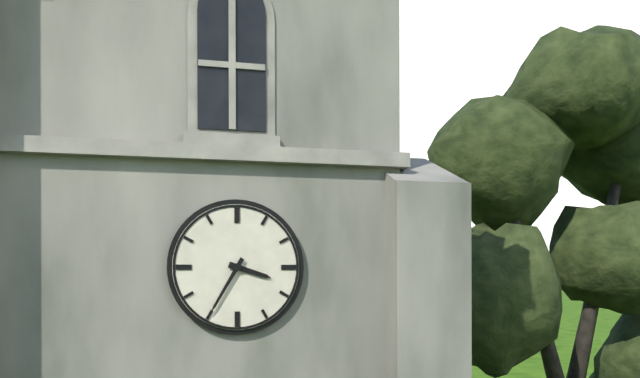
{"hour": 3, "minute": 35}
